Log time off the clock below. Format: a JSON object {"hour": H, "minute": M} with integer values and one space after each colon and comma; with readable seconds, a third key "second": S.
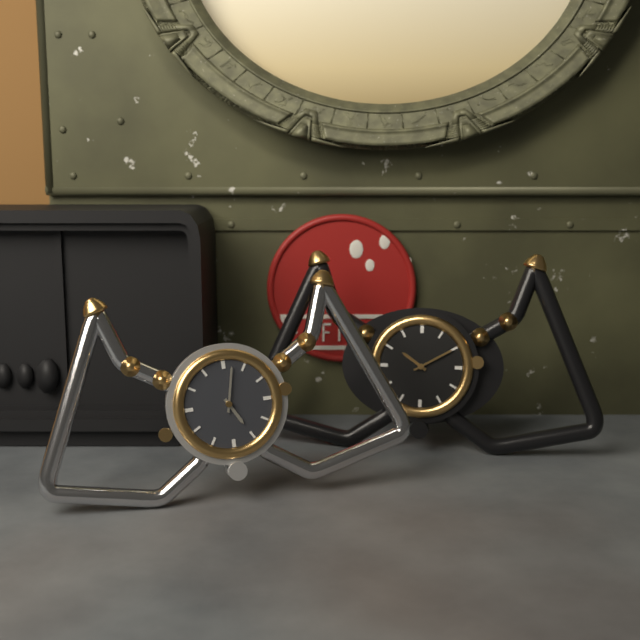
{"hour": 5, "minute": 2}
